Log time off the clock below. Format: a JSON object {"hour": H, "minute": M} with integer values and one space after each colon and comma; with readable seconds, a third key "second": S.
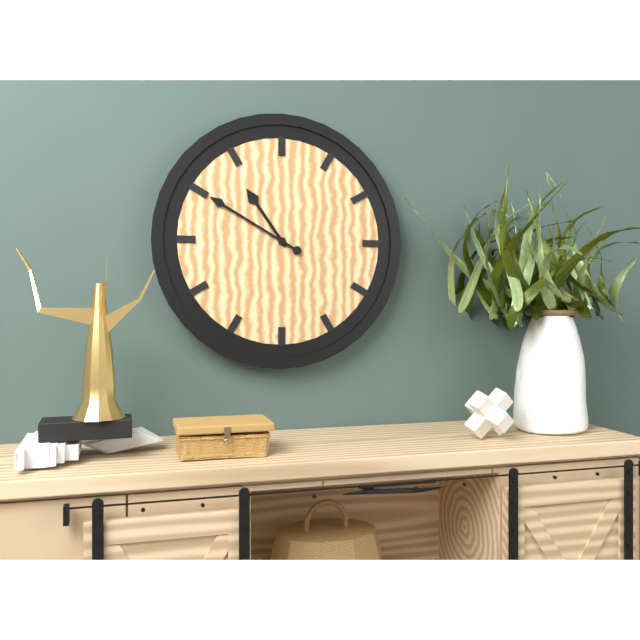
{"hour": 10, "minute": 50}
